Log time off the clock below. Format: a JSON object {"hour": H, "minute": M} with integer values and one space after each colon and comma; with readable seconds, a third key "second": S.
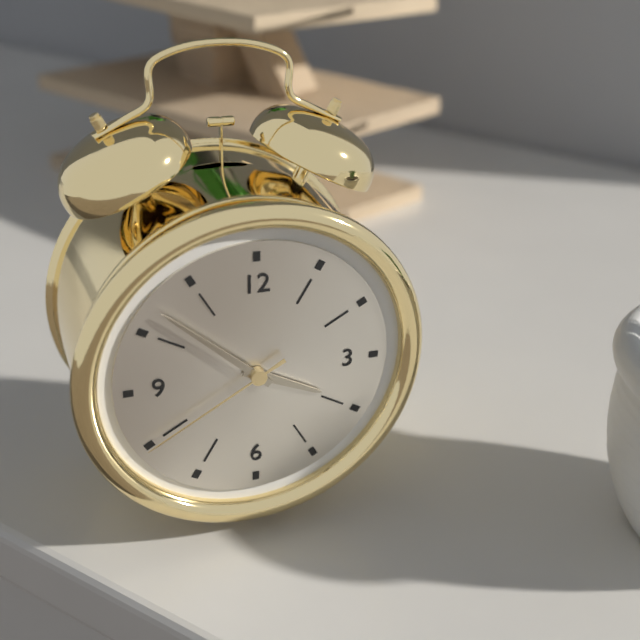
{"hour": 3, "minute": 52, "second": 40}
